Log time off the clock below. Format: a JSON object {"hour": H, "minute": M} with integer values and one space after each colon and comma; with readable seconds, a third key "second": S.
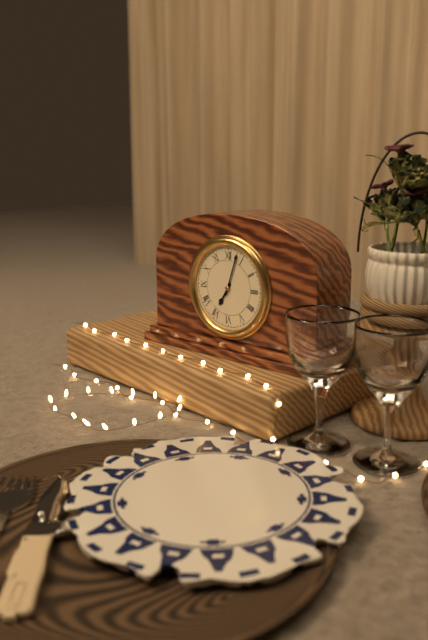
{"hour": 7, "minute": 3}
